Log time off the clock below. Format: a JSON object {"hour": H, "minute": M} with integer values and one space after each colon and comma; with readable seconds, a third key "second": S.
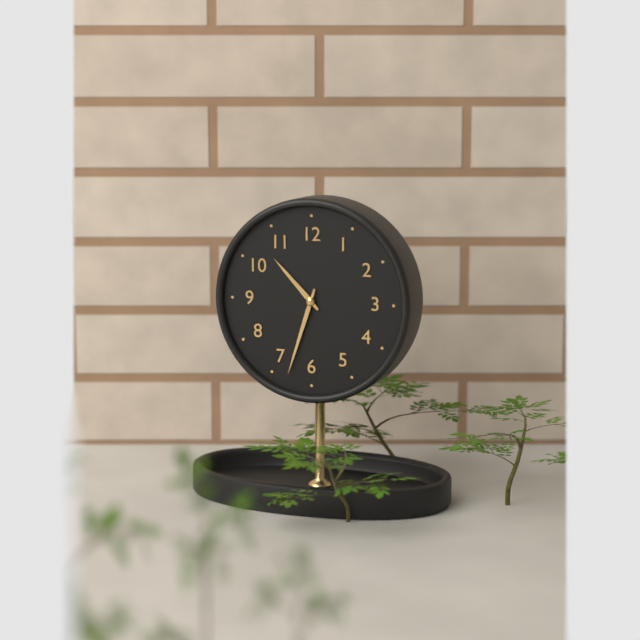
{"hour": 10, "minute": 33}
